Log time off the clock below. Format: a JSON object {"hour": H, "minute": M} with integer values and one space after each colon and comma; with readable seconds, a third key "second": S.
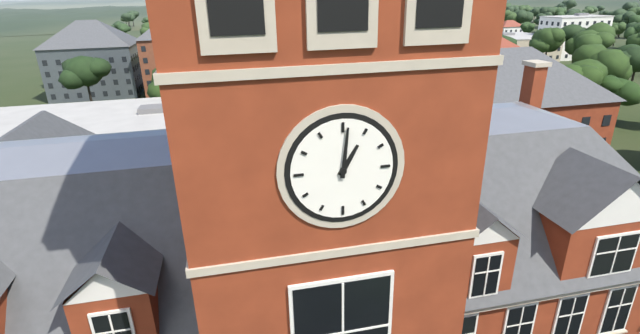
{"hour": 1, "minute": 1}
